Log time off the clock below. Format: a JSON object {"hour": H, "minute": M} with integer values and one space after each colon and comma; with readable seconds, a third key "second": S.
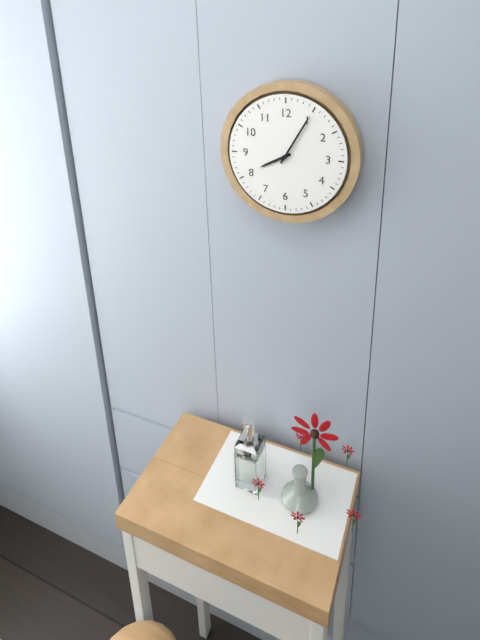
{"hour": 8, "minute": 5}
